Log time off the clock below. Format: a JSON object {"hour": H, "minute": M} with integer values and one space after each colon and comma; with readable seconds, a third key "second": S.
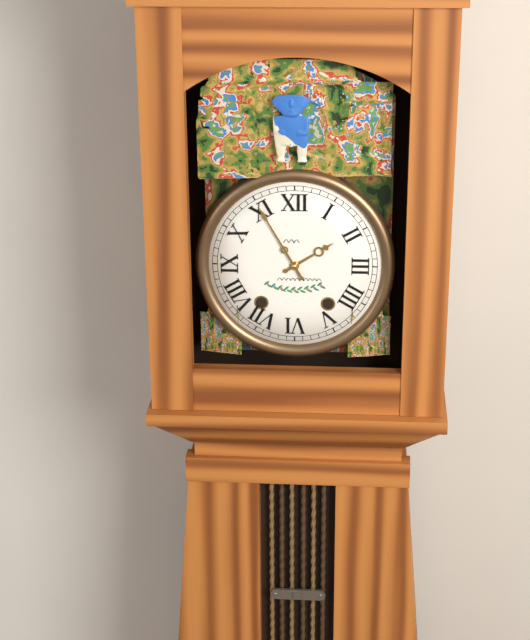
{"hour": 1, "minute": 55}
